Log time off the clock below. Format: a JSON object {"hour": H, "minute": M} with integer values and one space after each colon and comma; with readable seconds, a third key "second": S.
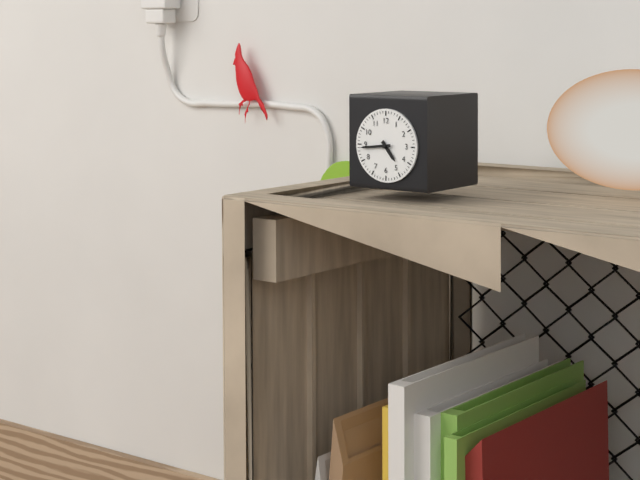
{"hour": 4, "minute": 44}
